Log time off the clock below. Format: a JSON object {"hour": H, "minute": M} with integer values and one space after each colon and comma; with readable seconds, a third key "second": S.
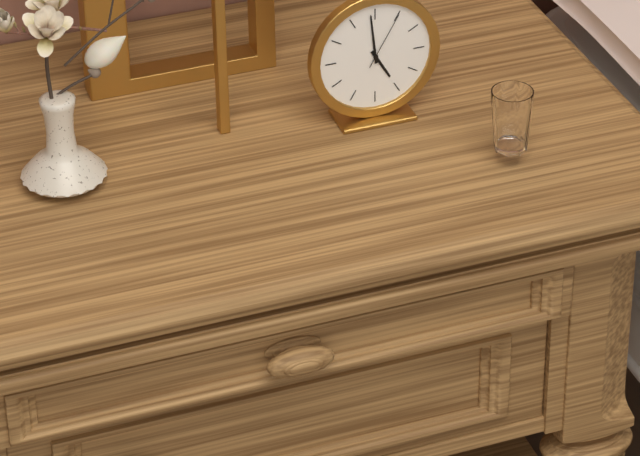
{"hour": 4, "minute": 59, "second": 5}
